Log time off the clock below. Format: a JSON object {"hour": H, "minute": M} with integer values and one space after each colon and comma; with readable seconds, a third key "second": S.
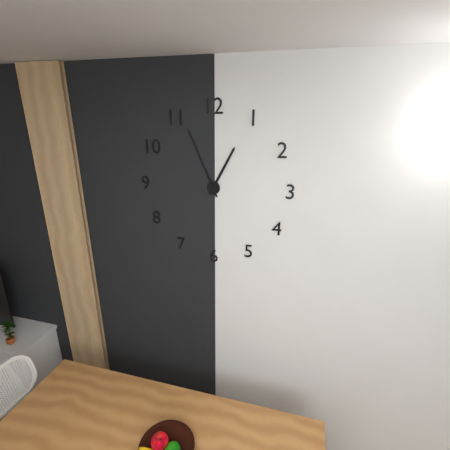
{"hour": 12, "minute": 56}
